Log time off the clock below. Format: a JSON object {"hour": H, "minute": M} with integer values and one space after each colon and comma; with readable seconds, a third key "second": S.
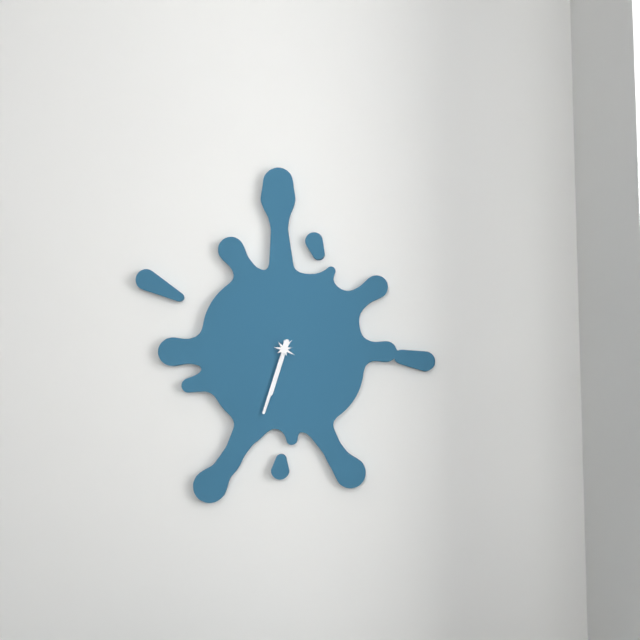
{"hour": 6, "minute": 33}
